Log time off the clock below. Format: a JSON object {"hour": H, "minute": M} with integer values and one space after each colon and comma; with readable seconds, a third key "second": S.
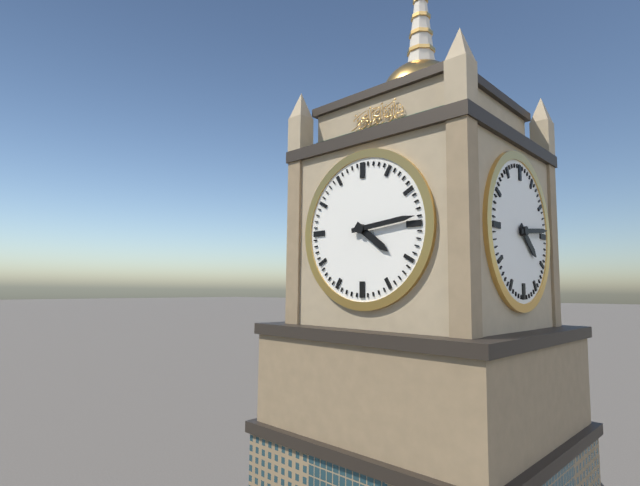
{"hour": 4, "minute": 14}
